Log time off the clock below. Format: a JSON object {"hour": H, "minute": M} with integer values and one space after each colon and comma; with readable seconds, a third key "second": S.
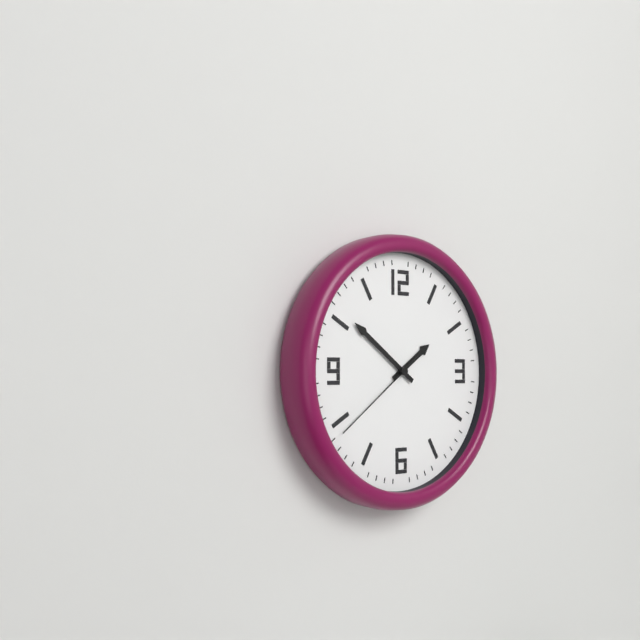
{"hour": 1, "minute": 51, "second": 39}
